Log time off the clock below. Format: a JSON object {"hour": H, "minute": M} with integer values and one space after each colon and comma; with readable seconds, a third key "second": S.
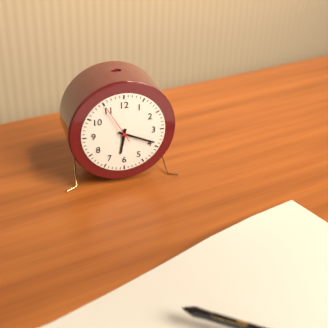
{"hour": 6, "minute": 19}
